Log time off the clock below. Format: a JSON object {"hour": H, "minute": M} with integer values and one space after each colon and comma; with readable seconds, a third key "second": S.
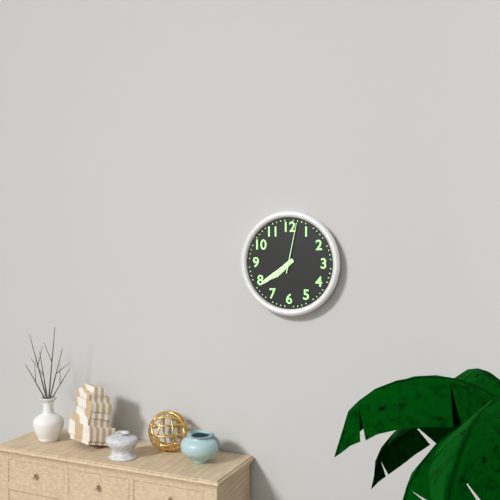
{"hour": 7, "minute": 39, "second": 2}
